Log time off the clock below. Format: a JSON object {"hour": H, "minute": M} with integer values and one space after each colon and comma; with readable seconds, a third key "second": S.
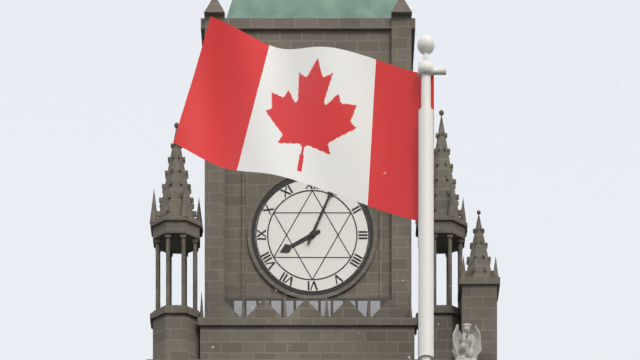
{"hour": 8, "minute": 4}
